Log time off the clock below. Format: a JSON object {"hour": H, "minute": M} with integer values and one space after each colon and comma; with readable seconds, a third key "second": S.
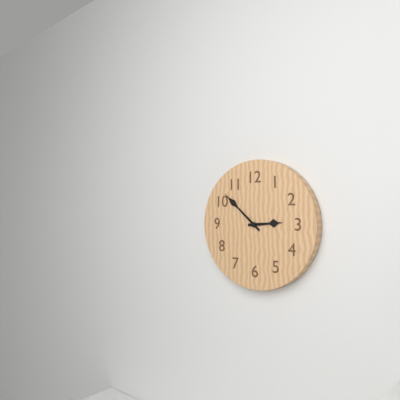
{"hour": 2, "minute": 52}
